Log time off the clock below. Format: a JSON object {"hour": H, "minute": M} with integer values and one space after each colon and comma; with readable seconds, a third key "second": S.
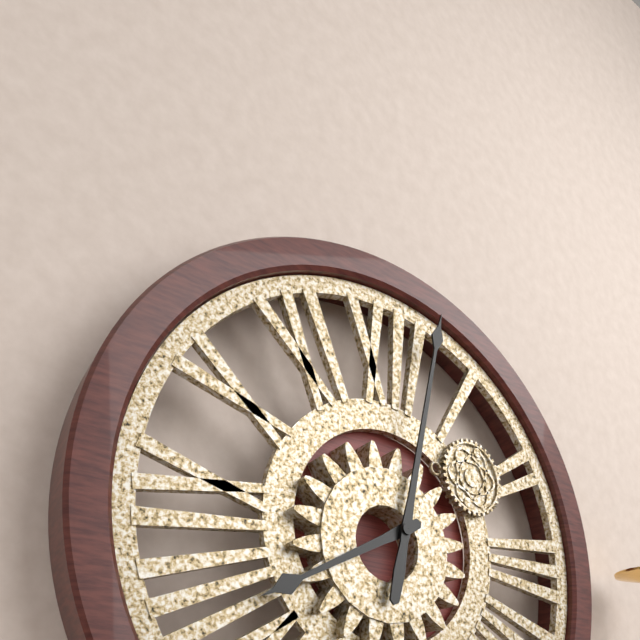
{"hour": 8, "minute": 2}
